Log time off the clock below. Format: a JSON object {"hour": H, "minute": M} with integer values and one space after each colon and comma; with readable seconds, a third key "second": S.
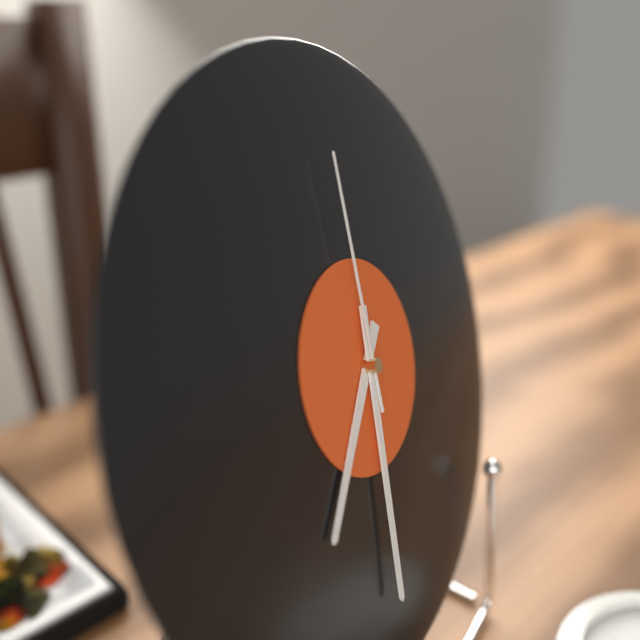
{"hour": 7, "minute": 32, "second": 1}
